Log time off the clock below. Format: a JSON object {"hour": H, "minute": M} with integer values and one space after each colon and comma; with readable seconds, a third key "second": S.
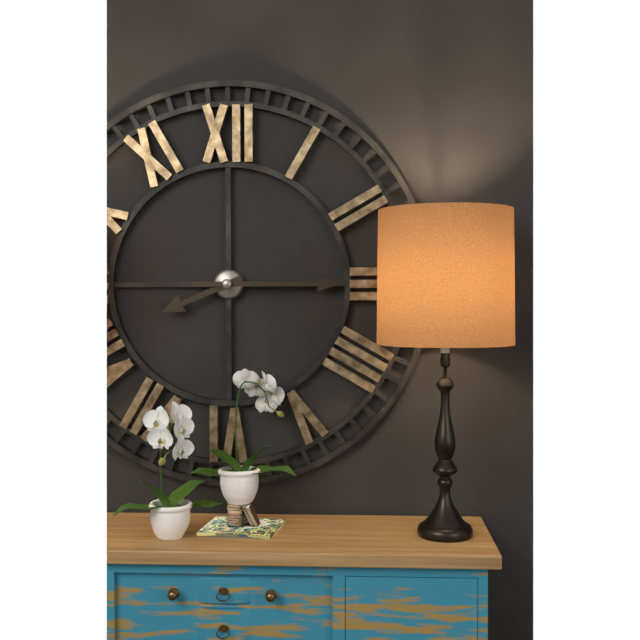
{"hour": 8, "minute": 15}
